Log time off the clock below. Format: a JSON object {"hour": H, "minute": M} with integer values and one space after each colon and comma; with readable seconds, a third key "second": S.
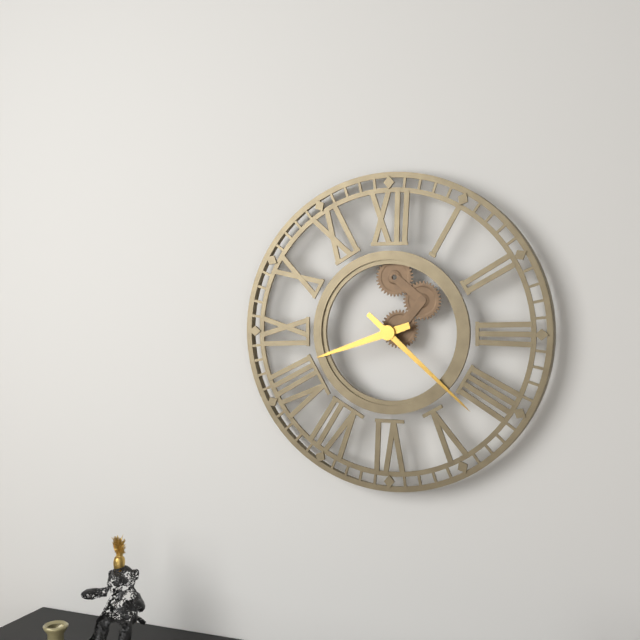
{"hour": 8, "minute": 22}
